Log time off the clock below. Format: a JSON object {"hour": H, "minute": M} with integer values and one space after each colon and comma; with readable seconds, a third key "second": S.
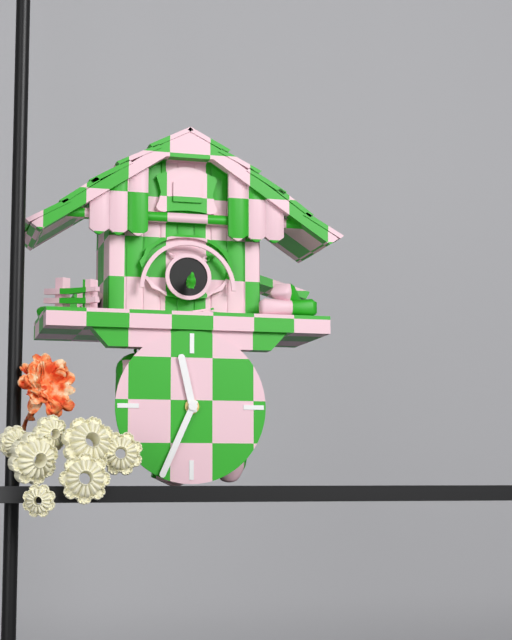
{"hour": 11, "minute": 34}
